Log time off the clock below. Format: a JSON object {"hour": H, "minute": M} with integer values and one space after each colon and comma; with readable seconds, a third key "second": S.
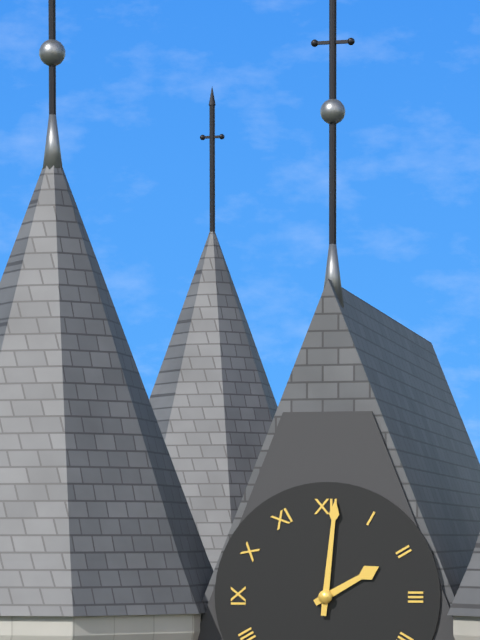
{"hour": 2, "minute": 1}
